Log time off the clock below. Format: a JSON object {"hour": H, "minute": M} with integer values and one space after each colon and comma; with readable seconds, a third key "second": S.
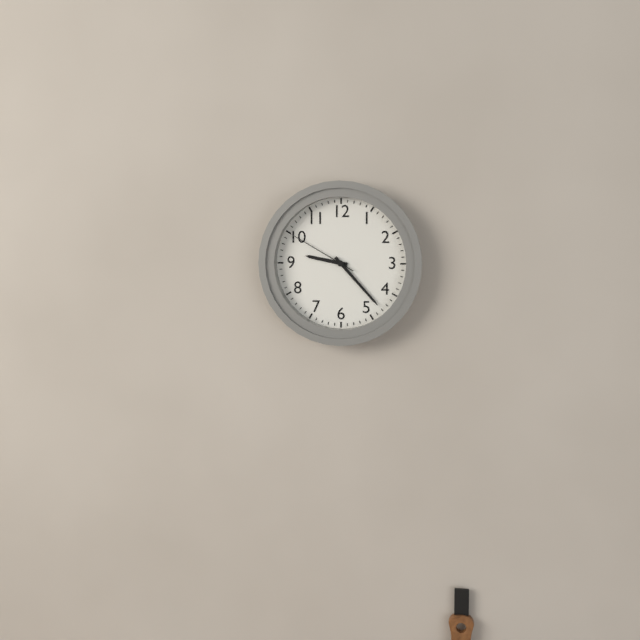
{"hour": 9, "minute": 23, "second": 50}
